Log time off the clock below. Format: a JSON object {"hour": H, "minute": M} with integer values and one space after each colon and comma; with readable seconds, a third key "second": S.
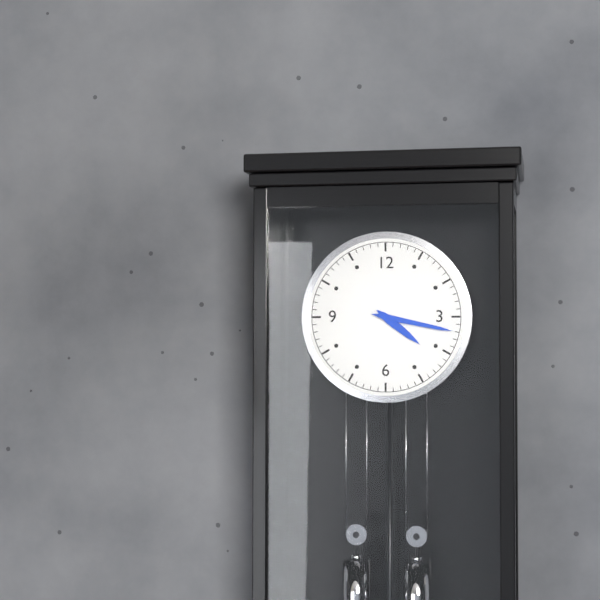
{"hour": 4, "minute": 17}
